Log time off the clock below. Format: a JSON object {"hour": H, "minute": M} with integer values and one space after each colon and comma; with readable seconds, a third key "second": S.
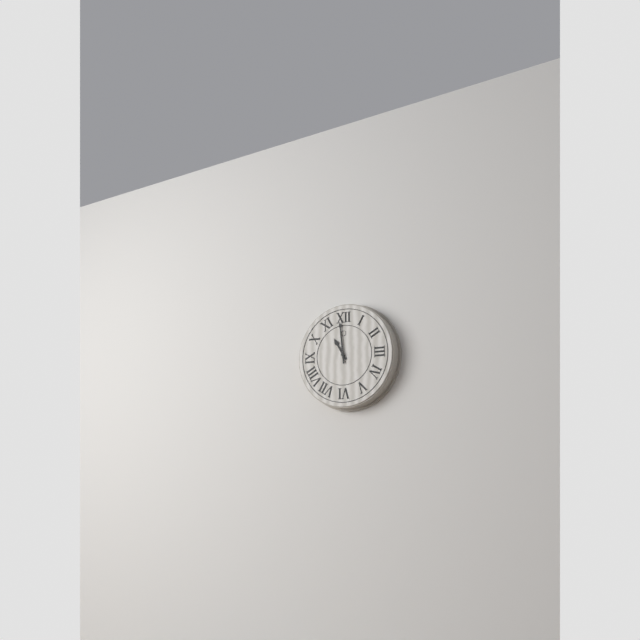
{"hour": 10, "minute": 59}
